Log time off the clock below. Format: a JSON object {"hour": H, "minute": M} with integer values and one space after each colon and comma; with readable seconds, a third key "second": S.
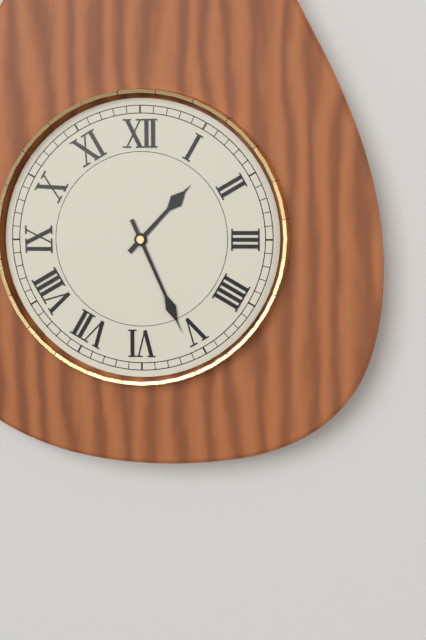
{"hour": 1, "minute": 26}
